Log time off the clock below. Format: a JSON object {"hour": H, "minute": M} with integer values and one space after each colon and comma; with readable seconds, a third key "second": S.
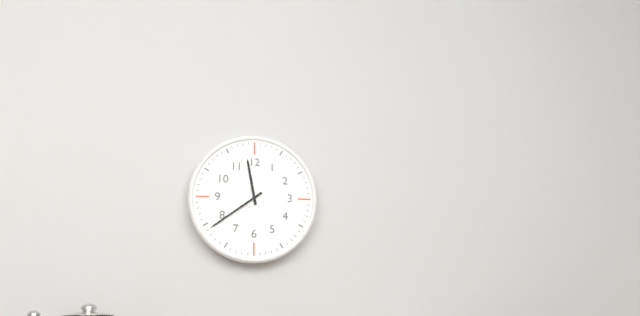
{"hour": 11, "minute": 39}
